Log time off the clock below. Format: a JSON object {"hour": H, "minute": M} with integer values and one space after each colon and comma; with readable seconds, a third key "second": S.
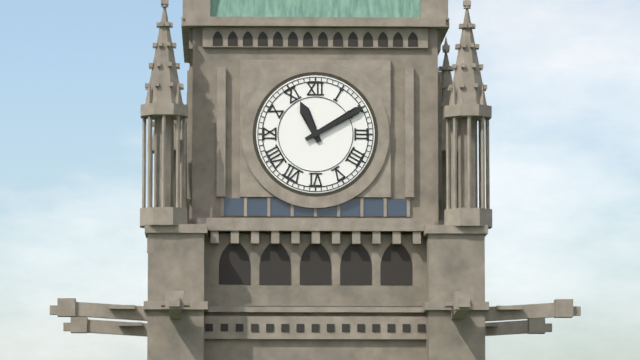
{"hour": 11, "minute": 10}
